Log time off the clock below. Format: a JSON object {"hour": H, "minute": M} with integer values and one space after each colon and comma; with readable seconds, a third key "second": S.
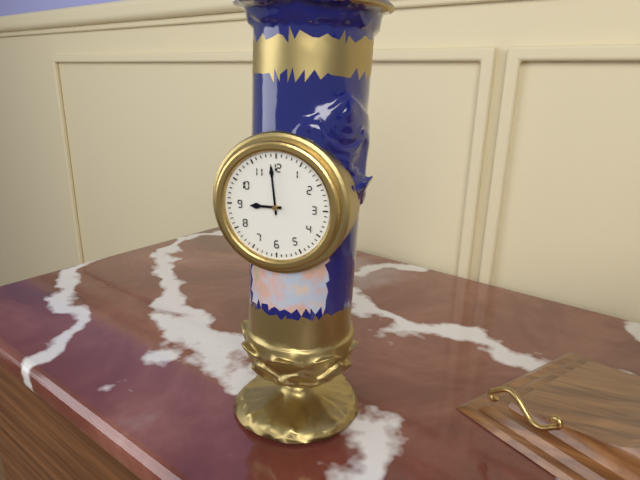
{"hour": 8, "minute": 59}
